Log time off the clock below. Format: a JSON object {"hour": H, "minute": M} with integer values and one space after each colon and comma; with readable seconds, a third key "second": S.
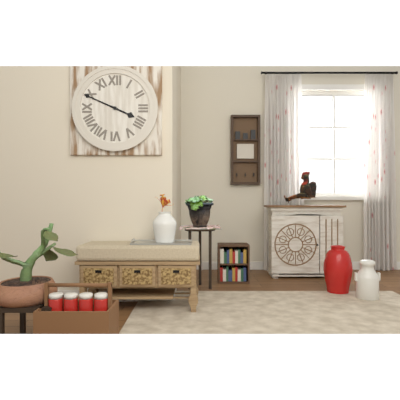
{"hour": 3, "minute": 49}
